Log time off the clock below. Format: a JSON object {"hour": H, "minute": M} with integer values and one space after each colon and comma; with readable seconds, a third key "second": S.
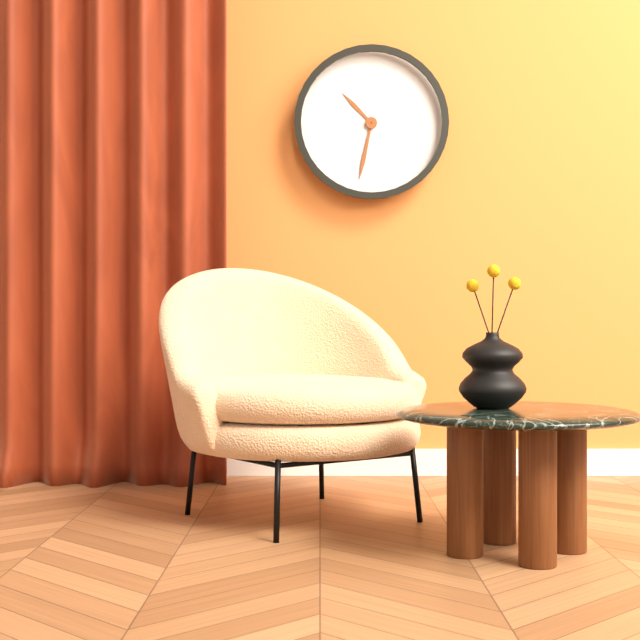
{"hour": 10, "minute": 32}
